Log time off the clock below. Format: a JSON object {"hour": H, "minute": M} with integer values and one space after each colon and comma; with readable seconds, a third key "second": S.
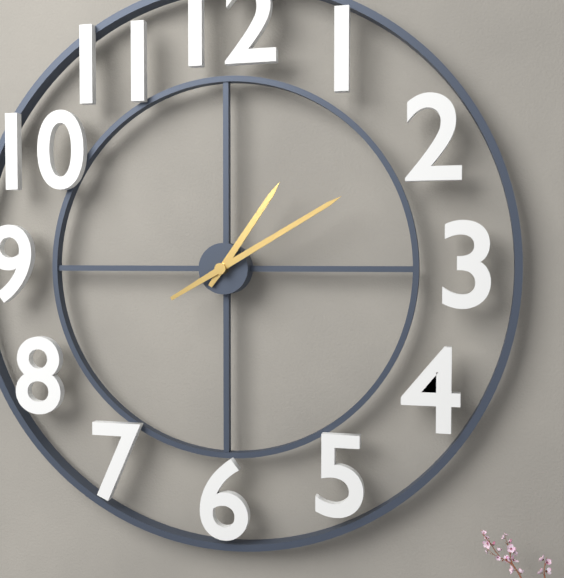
{"hour": 1, "minute": 10}
